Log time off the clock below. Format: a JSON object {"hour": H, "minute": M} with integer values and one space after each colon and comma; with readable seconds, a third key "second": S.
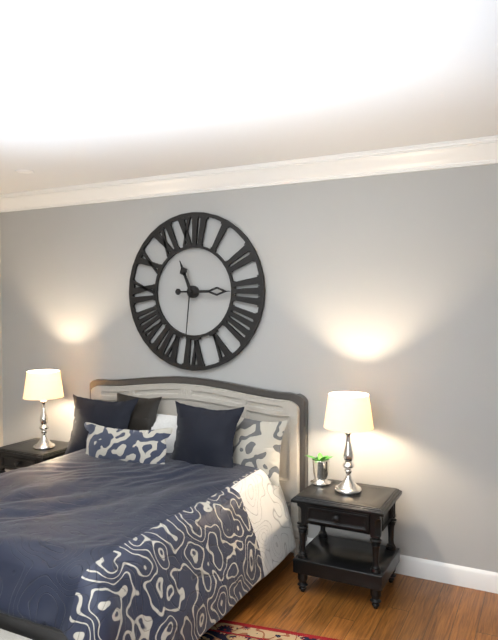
{"hour": 11, "minute": 15, "second": 31}
